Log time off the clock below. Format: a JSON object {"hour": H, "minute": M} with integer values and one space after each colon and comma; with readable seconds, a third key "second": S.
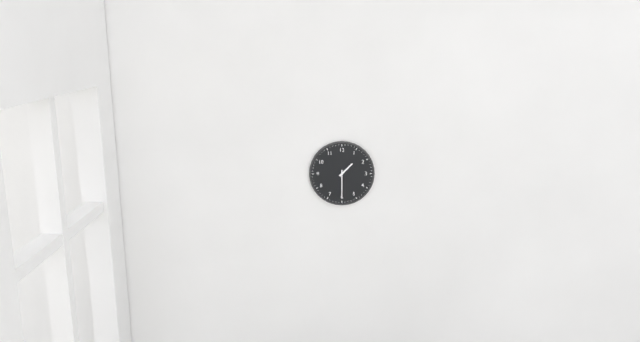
{"hour": 1, "minute": 30}
